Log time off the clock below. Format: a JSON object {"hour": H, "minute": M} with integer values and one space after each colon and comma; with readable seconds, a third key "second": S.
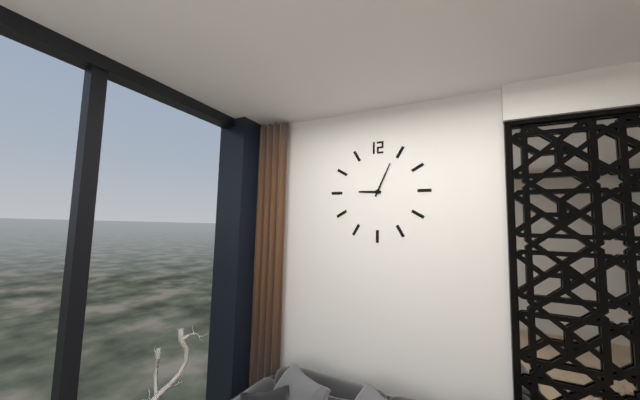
{"hour": 9, "minute": 4}
